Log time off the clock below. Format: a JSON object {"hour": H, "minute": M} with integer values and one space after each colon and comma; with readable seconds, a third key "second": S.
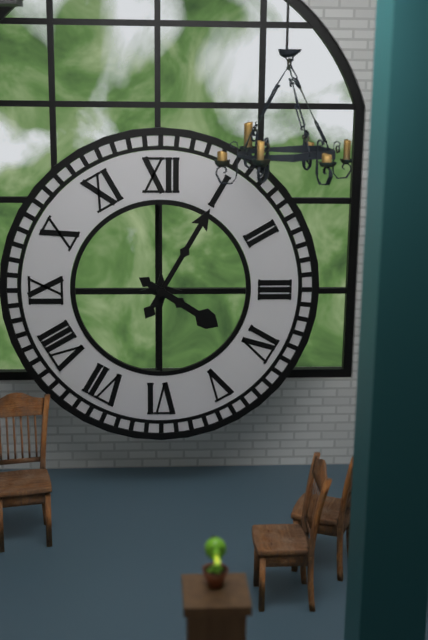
{"hour": 4, "minute": 5}
